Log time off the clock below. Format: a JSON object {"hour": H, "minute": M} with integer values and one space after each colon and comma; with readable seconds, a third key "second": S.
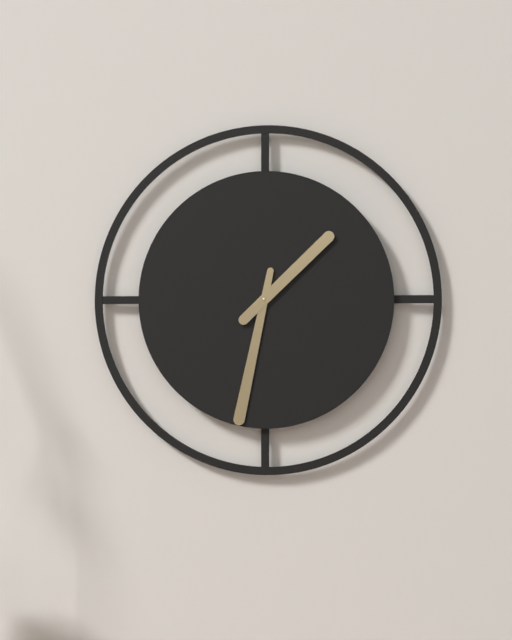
{"hour": 1, "minute": 32}
